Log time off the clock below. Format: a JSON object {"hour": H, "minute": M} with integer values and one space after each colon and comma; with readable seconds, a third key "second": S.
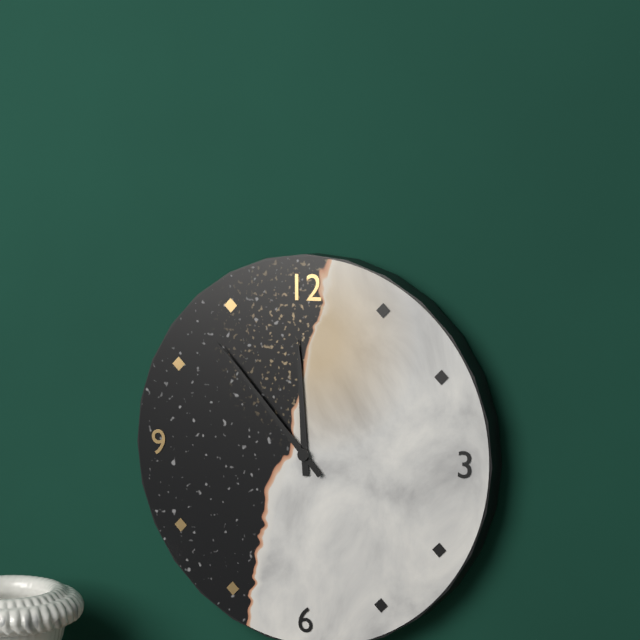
{"hour": 11, "minute": 53}
